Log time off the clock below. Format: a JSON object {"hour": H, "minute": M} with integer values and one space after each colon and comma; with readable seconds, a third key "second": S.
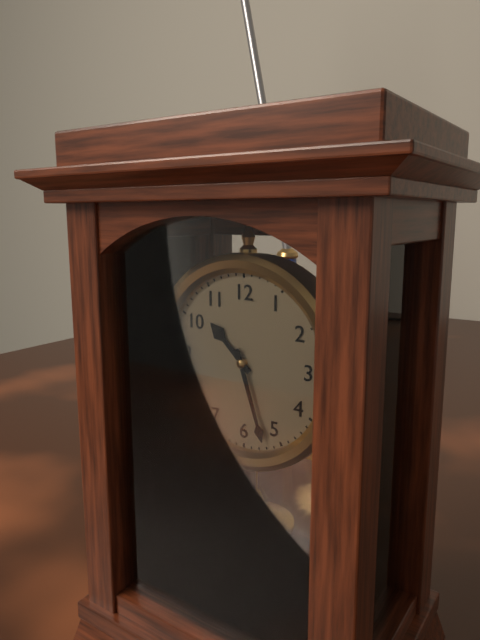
{"hour": 10, "minute": 27}
